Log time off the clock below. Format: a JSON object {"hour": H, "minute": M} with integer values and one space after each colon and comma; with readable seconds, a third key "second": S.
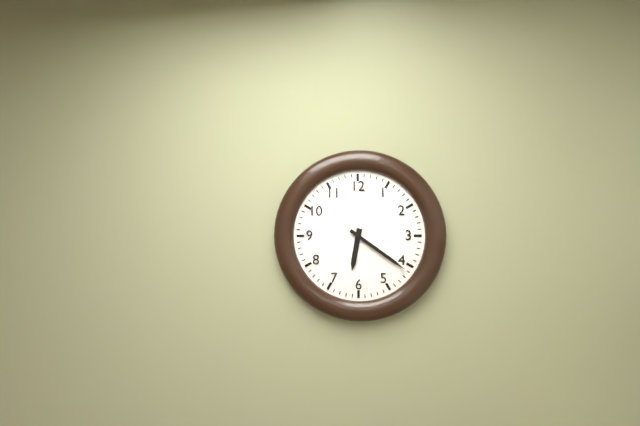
{"hour": 6, "minute": 21}
